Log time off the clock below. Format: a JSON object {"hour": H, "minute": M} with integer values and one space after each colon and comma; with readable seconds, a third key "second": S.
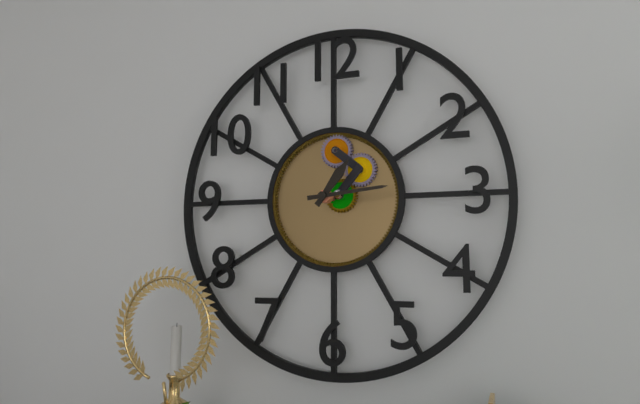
{"hour": 1, "minute": 14}
